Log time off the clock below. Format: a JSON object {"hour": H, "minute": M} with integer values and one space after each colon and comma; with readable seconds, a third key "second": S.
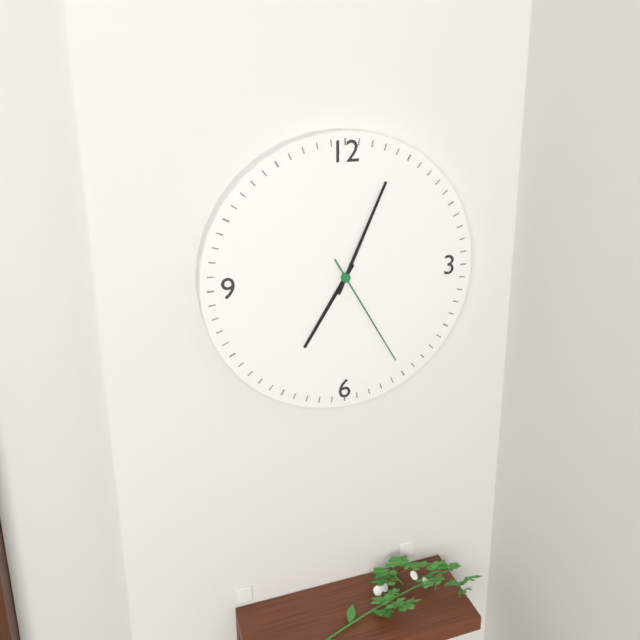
{"hour": 7, "minute": 4, "second": 25}
